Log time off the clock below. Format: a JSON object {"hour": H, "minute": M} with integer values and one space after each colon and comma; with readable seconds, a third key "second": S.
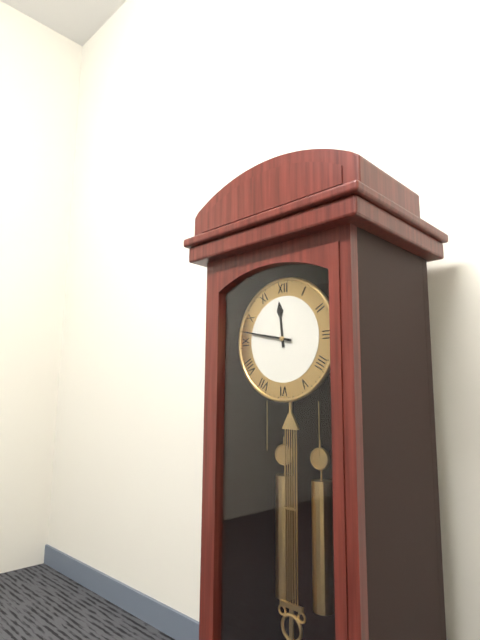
{"hour": 11, "minute": 47}
